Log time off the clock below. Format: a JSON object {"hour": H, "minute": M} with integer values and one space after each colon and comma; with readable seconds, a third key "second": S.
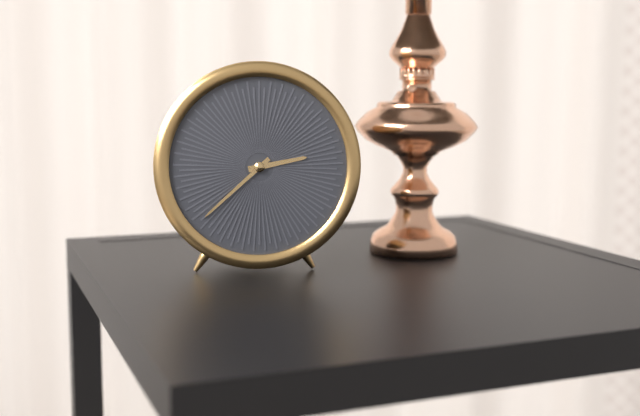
{"hour": 2, "minute": 38}
